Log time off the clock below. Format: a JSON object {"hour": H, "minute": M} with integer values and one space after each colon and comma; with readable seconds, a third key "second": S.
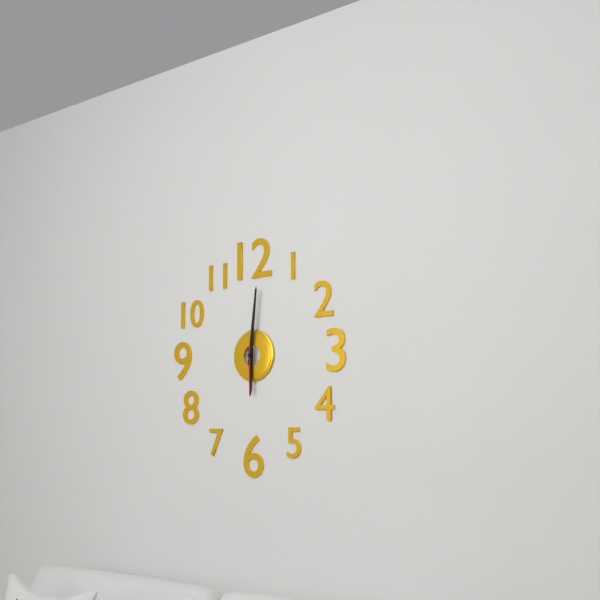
{"hour": 6, "minute": 1, "second": 30}
